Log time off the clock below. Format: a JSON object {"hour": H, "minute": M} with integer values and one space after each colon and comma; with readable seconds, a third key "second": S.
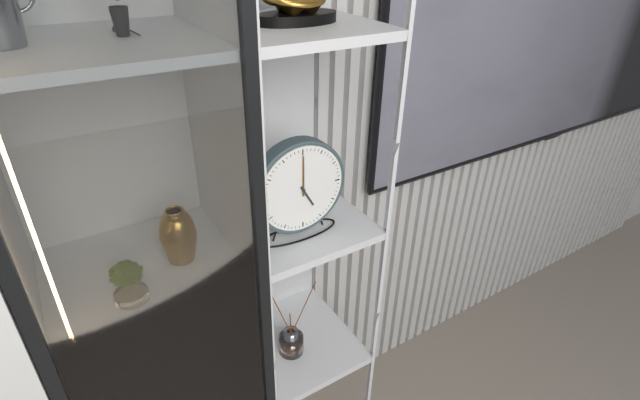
{"hour": 5, "minute": 0}
